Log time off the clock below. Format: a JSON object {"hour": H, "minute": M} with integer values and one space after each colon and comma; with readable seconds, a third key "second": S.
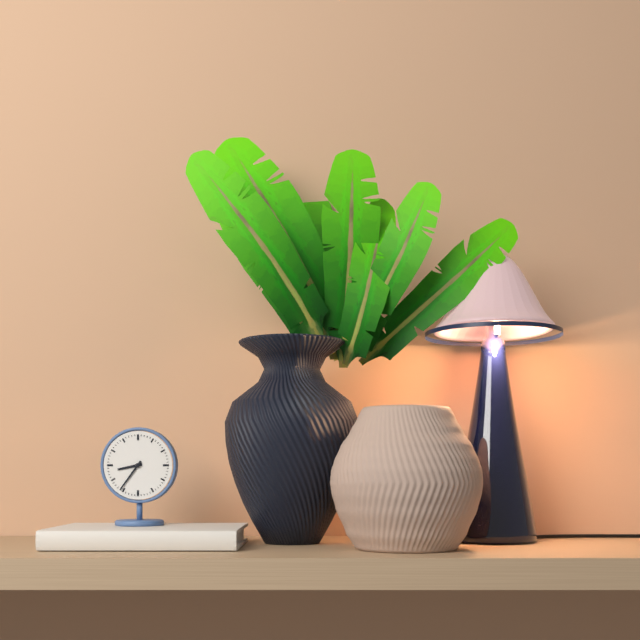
{"hour": 8, "minute": 36}
